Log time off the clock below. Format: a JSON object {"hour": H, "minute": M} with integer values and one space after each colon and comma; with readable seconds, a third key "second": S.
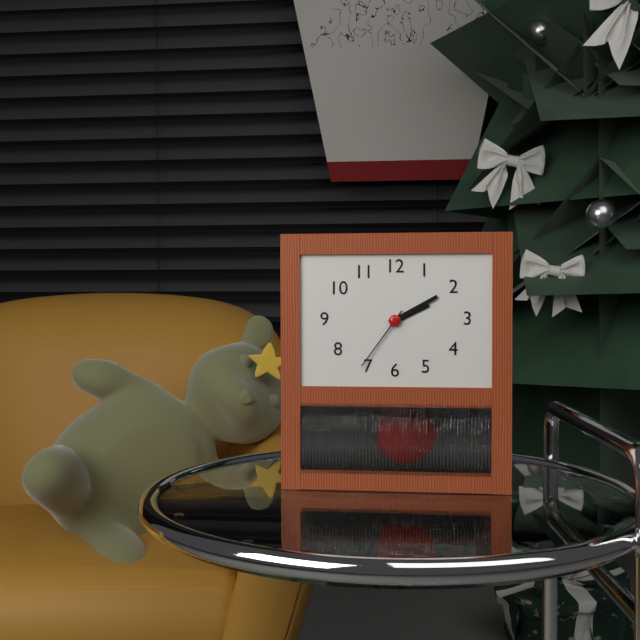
{"hour": 2, "minute": 10, "second": 36}
